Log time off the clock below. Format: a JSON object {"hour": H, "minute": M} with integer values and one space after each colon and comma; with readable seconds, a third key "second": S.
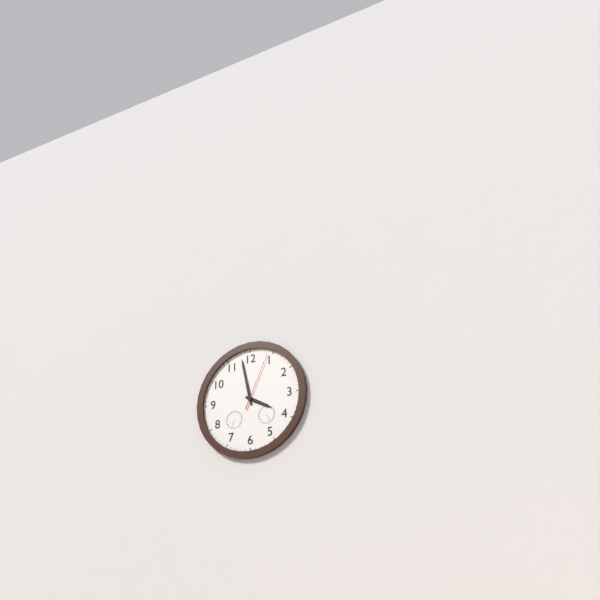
{"hour": 3, "minute": 58, "second": 4}
